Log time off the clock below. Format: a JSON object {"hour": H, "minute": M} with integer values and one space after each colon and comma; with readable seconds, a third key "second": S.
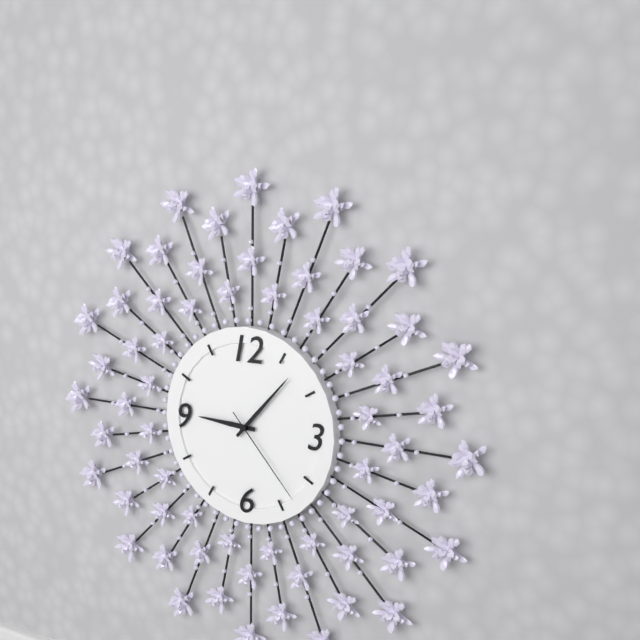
{"hour": 9, "minute": 7, "second": 23}
